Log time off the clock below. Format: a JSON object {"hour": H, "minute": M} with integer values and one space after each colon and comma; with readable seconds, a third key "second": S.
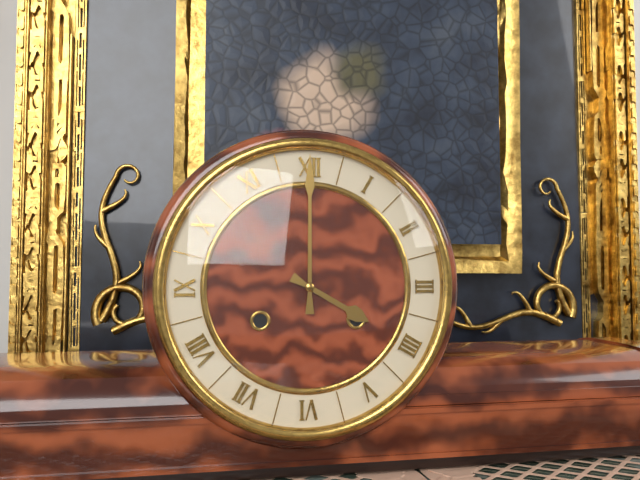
{"hour": 4, "minute": 0}
